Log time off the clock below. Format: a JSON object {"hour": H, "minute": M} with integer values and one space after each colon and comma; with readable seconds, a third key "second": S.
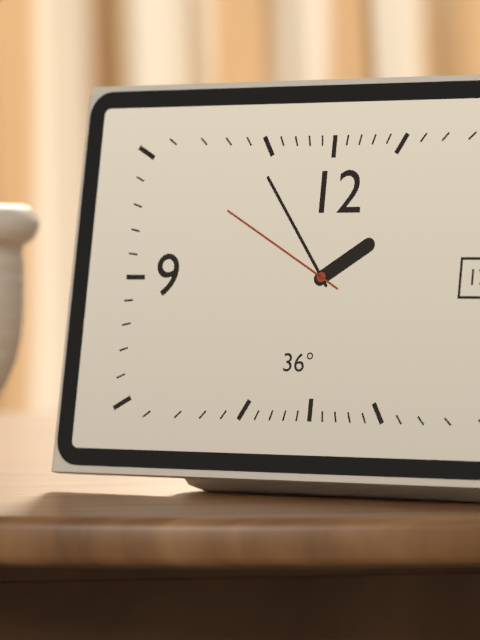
{"hour": 1, "minute": 54, "second": 50}
